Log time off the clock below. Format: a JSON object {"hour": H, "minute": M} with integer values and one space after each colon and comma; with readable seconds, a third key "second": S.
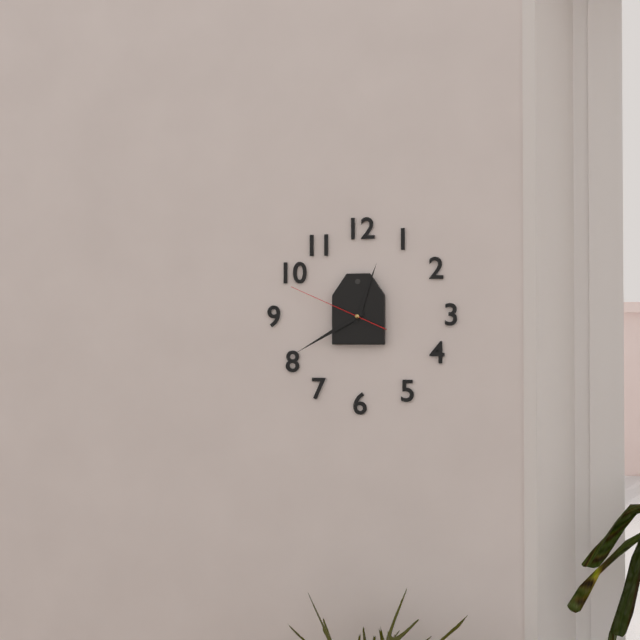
{"hour": 12, "minute": 40, "second": 49}
